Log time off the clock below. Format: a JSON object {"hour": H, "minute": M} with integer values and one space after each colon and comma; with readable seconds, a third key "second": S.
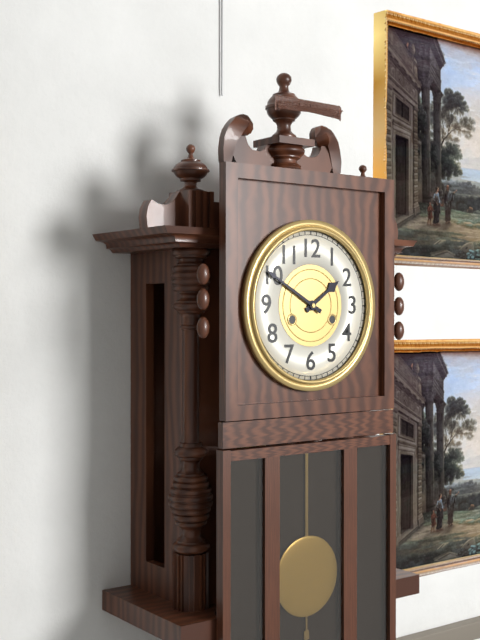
{"hour": 1, "minute": 50}
